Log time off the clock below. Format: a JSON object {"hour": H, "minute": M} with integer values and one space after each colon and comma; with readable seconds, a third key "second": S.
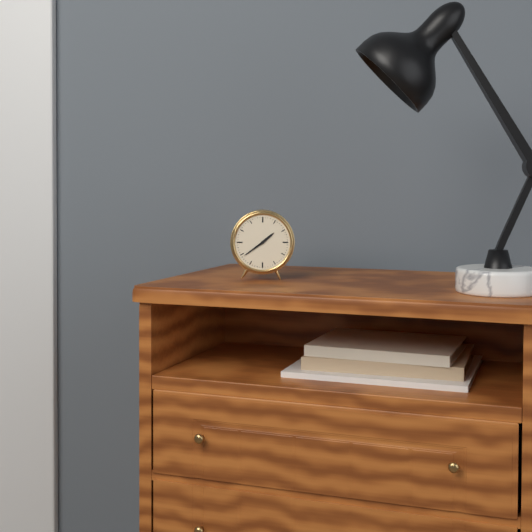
{"hour": 1, "minute": 39}
